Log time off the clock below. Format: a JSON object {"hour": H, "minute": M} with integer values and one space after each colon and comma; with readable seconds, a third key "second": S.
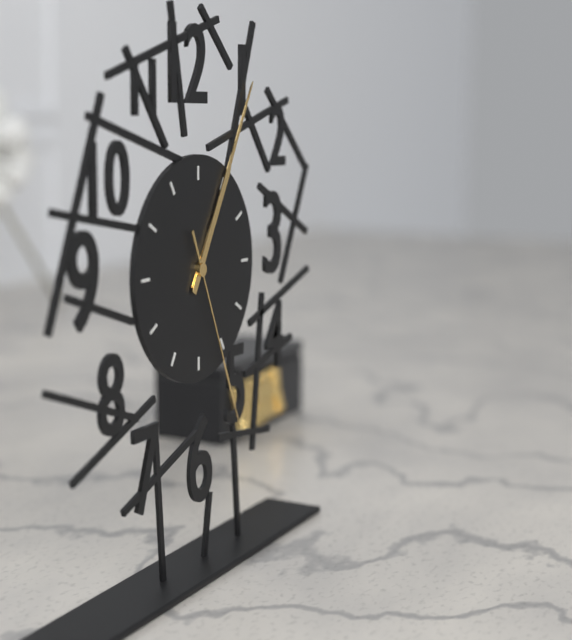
{"hour": 1, "minute": 5, "second": 26}
